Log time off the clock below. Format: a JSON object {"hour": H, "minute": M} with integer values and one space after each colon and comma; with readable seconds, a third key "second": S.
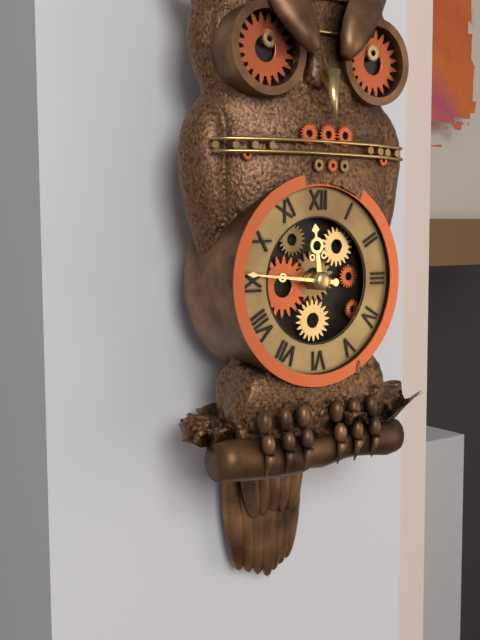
{"hour": 11, "minute": 46}
